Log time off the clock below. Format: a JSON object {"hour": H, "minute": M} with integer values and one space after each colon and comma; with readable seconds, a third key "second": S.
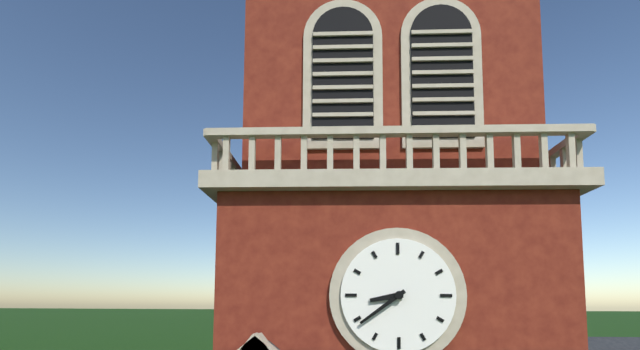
{"hour": 8, "minute": 39}
